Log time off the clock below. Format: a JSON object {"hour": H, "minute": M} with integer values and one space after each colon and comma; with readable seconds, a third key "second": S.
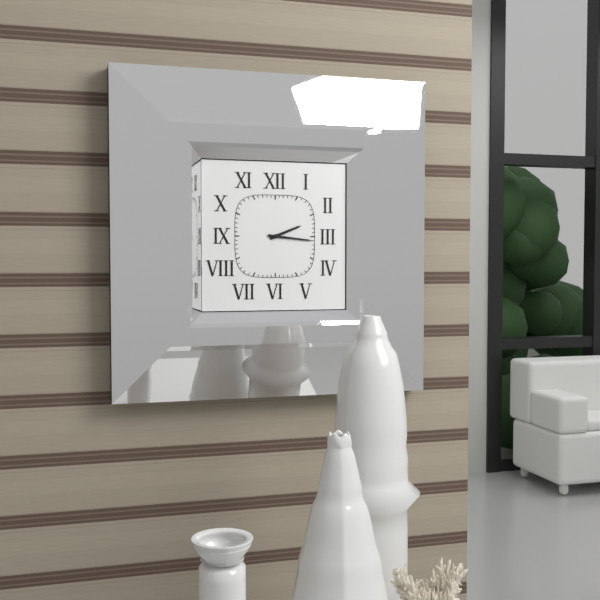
{"hour": 2, "minute": 16}
